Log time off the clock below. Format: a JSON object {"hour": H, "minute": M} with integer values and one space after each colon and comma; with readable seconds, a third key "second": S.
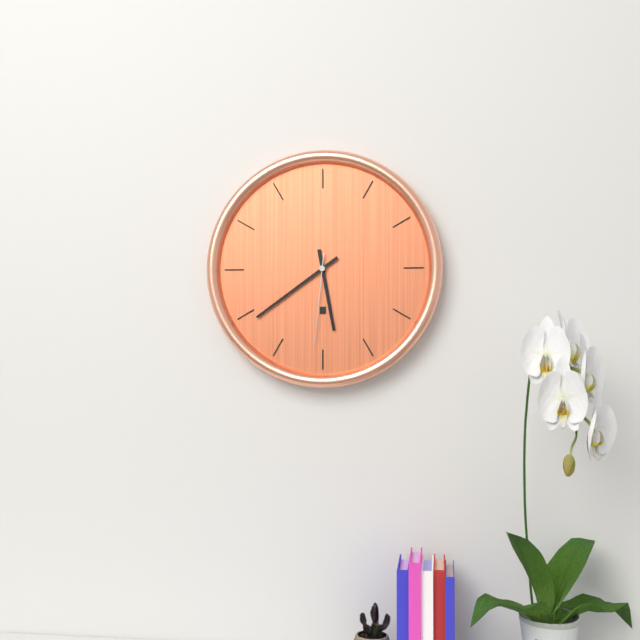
{"hour": 5, "minute": 39, "second": 31}
